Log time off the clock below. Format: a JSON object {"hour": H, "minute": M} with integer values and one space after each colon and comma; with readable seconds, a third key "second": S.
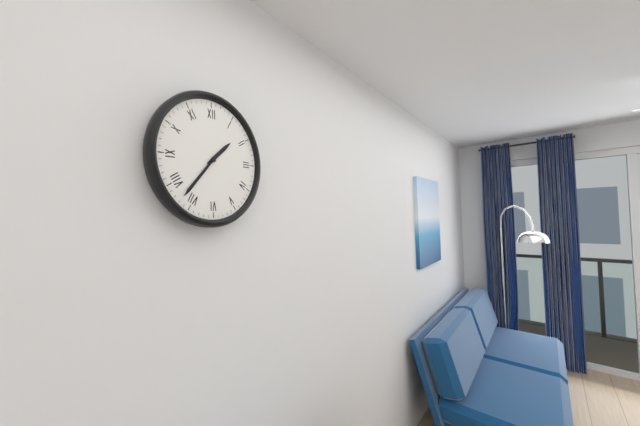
{"hour": 1, "minute": 37}
